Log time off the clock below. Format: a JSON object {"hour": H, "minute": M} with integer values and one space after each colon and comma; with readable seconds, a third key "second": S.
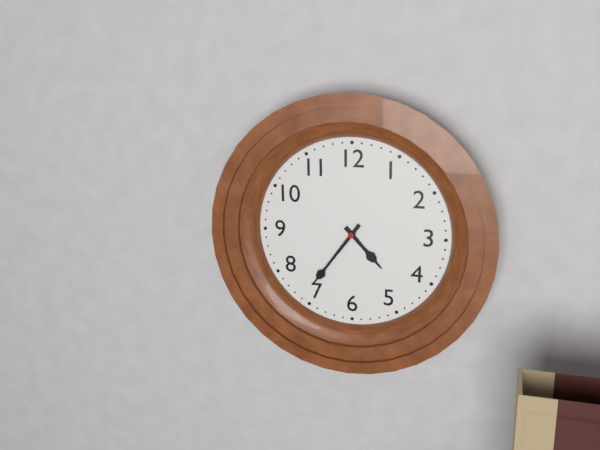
{"hour": 4, "minute": 36}
